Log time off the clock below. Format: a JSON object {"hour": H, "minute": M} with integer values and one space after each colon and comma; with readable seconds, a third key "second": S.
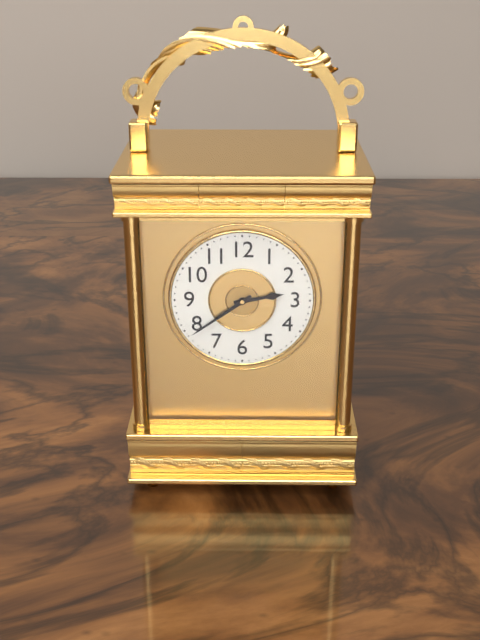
{"hour": 2, "minute": 39}
